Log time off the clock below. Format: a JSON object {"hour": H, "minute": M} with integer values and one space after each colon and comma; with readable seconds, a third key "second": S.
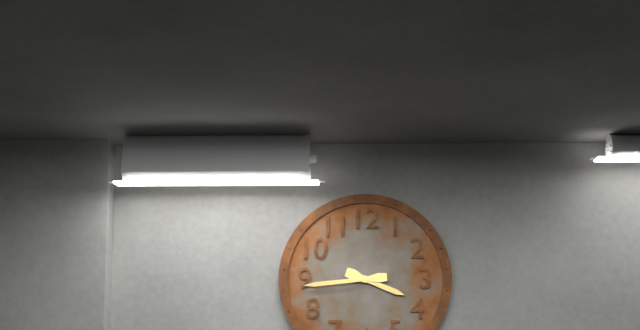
{"hour": 3, "minute": 44}
